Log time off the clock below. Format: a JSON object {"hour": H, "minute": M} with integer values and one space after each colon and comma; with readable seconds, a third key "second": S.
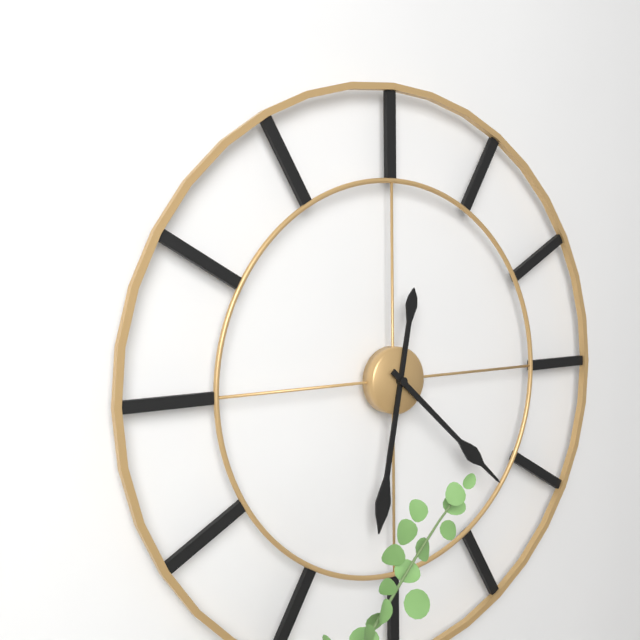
{"hour": 6, "minute": 22}
